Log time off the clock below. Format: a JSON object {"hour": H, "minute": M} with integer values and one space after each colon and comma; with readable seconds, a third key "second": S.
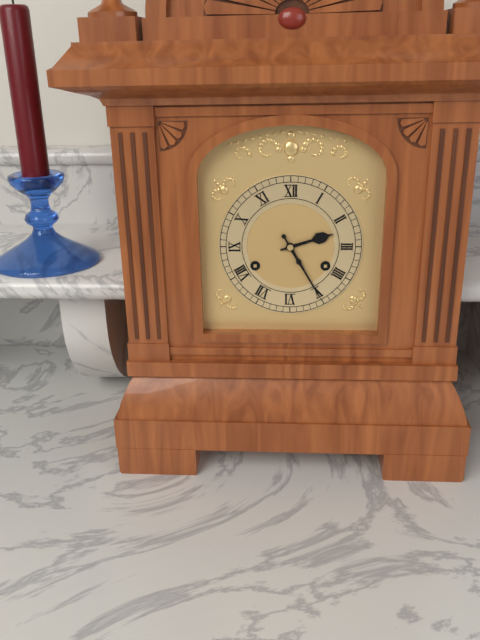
{"hour": 2, "minute": 25}
